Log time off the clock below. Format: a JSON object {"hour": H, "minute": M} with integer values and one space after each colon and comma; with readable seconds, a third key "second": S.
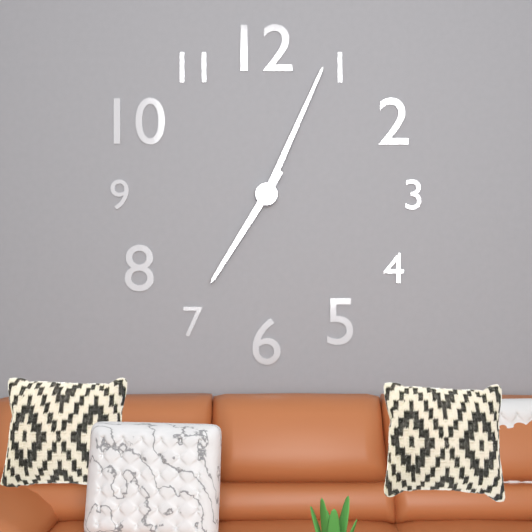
{"hour": 7, "minute": 4}
